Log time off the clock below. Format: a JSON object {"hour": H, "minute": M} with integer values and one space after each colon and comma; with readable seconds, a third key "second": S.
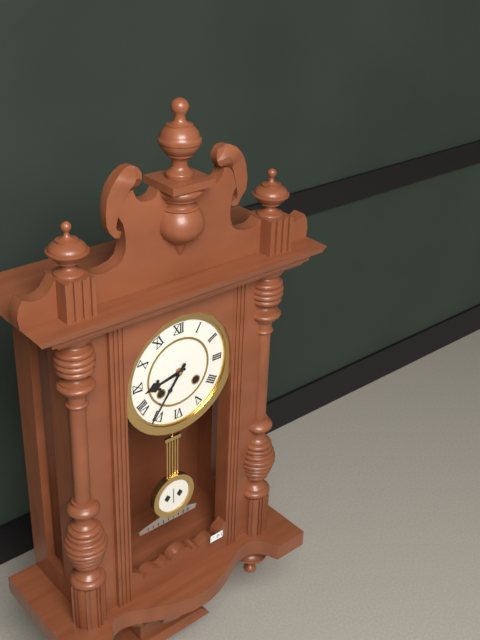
{"hour": 8, "minute": 36}
